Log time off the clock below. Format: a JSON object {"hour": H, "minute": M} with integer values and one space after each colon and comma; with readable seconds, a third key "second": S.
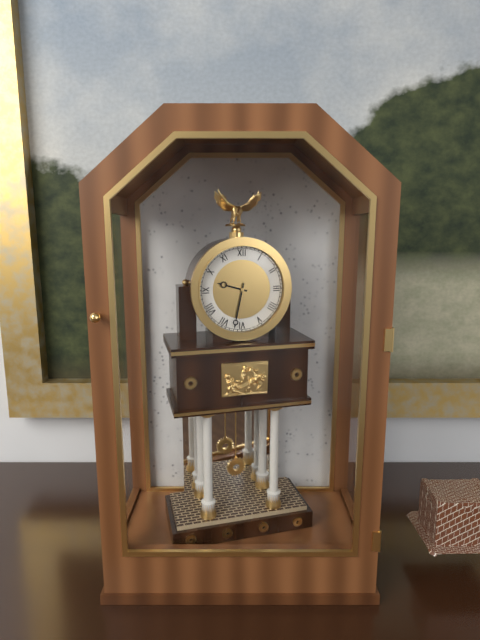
{"hour": 9, "minute": 32}
